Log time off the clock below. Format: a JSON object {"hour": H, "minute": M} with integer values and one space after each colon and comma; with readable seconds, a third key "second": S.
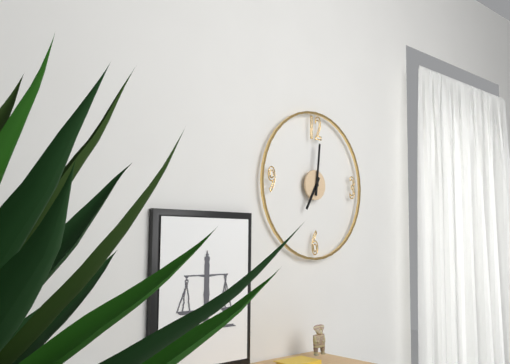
{"hour": 7, "minute": 1}
